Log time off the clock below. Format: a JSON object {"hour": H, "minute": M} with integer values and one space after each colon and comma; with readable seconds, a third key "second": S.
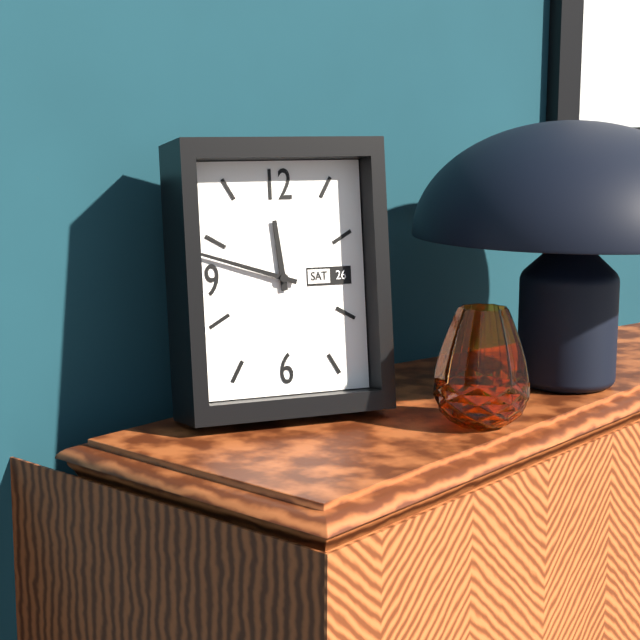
{"hour": 11, "minute": 48}
